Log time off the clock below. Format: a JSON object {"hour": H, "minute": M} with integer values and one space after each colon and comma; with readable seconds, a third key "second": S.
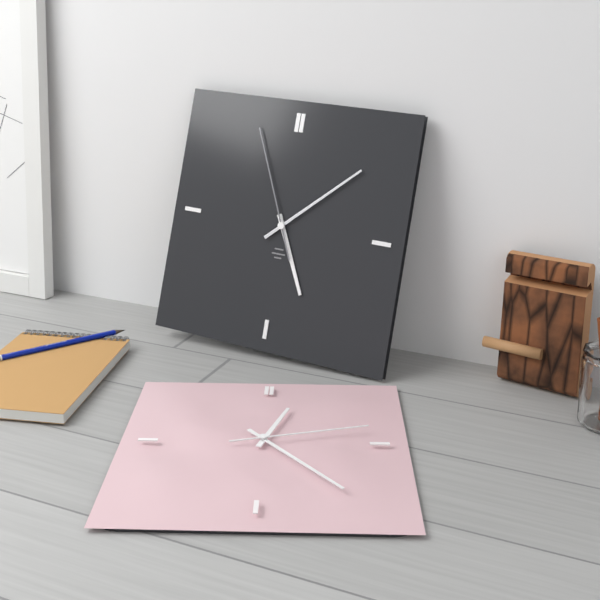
{"hour": 5, "minute": 8, "second": 56}
